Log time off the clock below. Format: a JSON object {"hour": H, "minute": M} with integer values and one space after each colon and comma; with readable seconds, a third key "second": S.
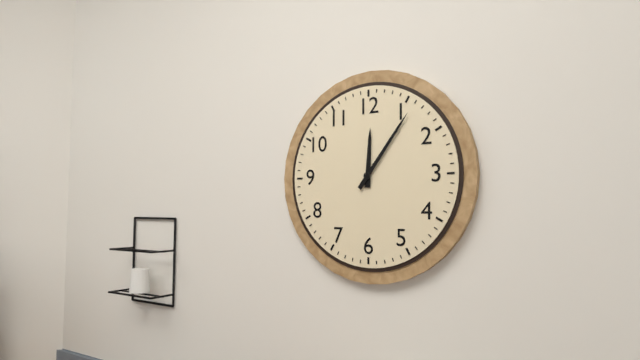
{"hour": 12, "minute": 6}
